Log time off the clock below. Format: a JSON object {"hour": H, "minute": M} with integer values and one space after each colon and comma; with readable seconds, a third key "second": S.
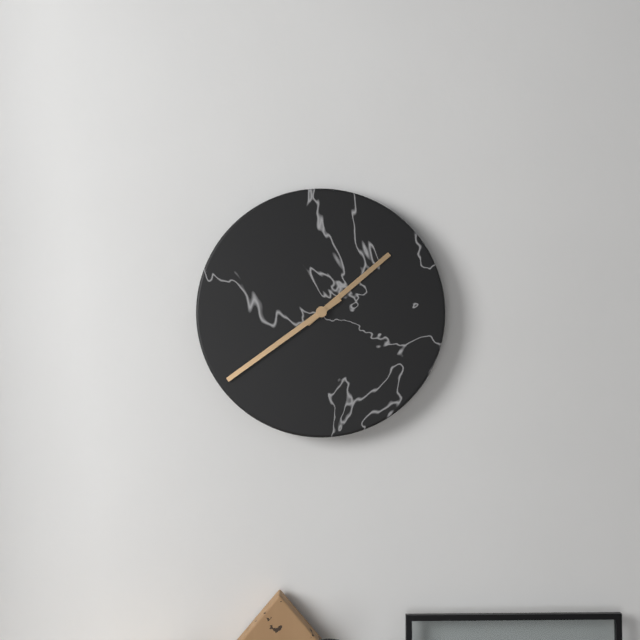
{"hour": 1, "minute": 39}
